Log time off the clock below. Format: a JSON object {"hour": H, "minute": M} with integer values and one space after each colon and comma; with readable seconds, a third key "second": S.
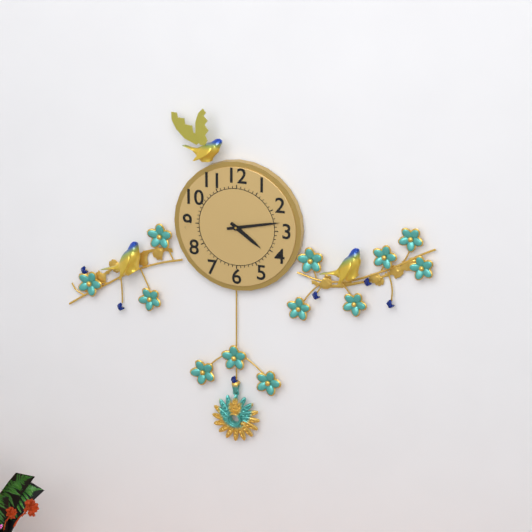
{"hour": 4, "minute": 13}
